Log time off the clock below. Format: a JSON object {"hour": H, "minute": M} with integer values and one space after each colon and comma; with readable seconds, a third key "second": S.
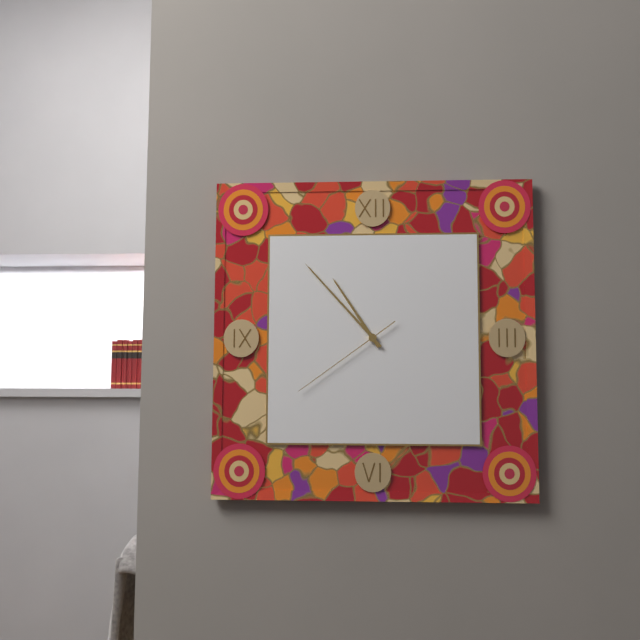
{"hour": 10, "minute": 53, "second": 39}
